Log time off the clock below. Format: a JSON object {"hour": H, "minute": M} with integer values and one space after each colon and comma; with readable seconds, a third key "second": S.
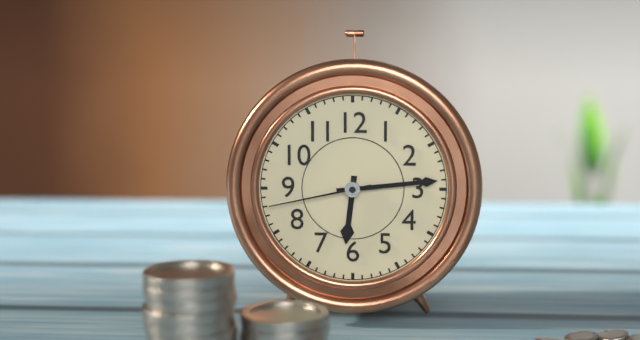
{"hour": 6, "minute": 14, "second": 43}
